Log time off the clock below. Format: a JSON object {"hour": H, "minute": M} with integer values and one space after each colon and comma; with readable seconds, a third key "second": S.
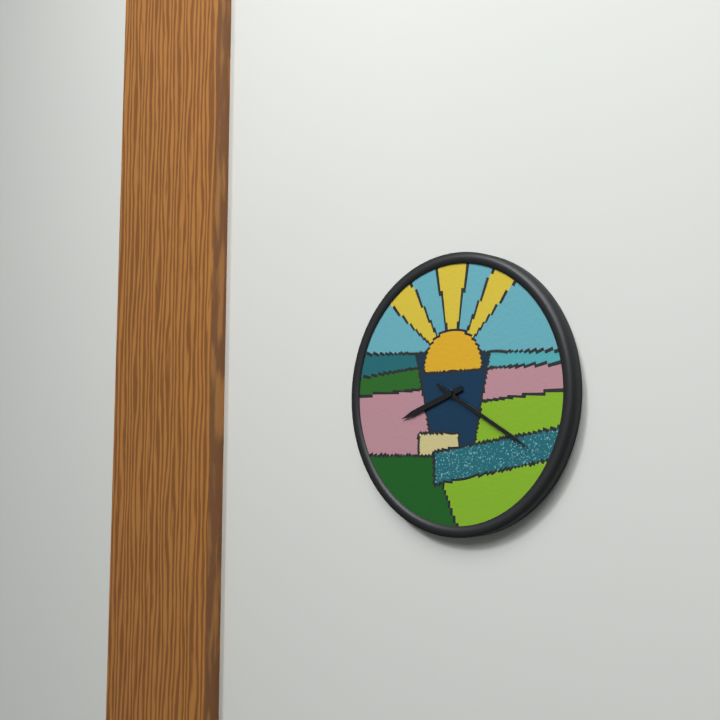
{"hour": 8, "minute": 20}
